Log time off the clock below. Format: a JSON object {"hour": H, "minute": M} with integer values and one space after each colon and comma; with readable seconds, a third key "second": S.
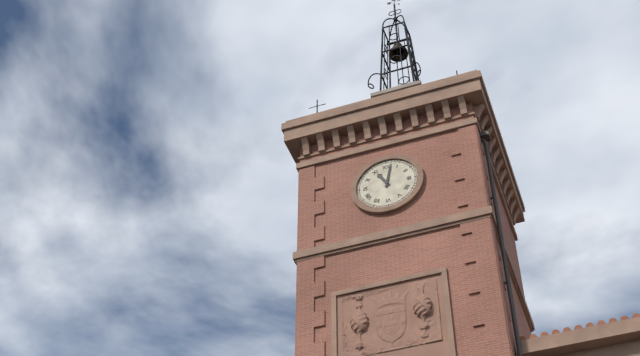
{"hour": 11, "minute": 2}
